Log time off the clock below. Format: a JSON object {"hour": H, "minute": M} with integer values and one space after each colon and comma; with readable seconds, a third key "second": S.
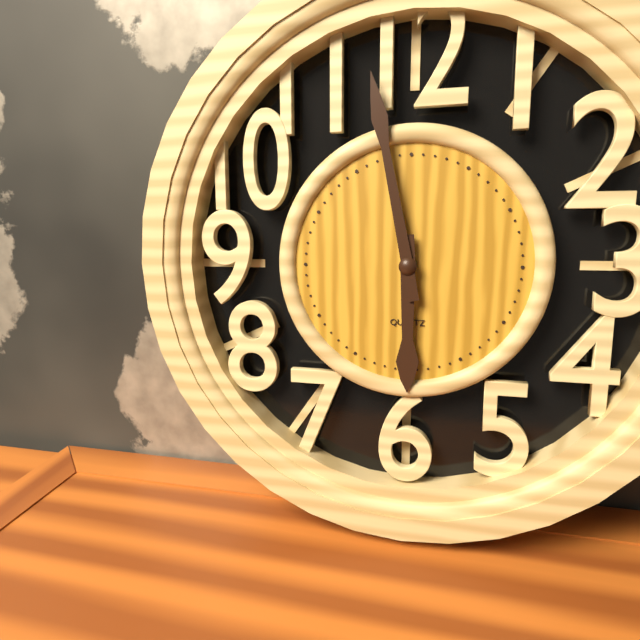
{"hour": 5, "minute": 58}
